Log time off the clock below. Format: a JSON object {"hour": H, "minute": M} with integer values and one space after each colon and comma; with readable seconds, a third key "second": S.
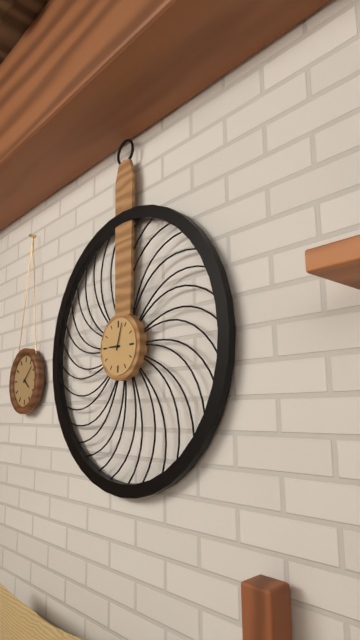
{"hour": 9, "minute": 3}
